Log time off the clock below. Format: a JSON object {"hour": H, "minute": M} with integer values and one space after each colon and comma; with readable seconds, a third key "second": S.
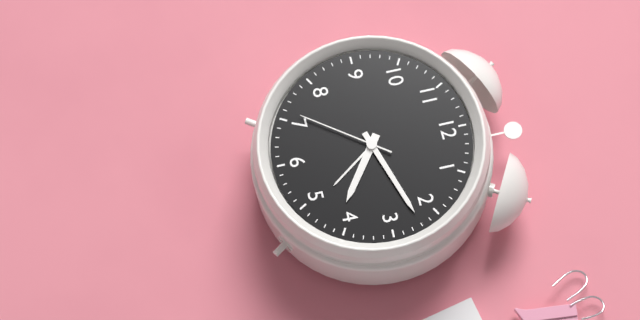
{"hour": 4, "minute": 12, "second": 36}
